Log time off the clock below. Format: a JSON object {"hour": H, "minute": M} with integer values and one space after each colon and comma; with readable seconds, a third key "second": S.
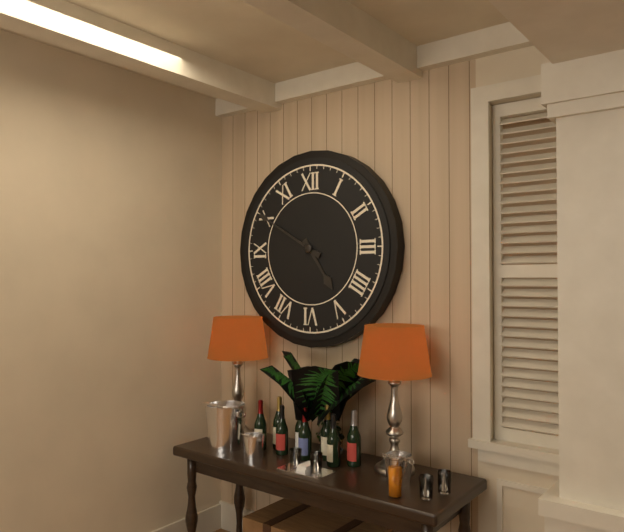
{"hour": 4, "minute": 50}
